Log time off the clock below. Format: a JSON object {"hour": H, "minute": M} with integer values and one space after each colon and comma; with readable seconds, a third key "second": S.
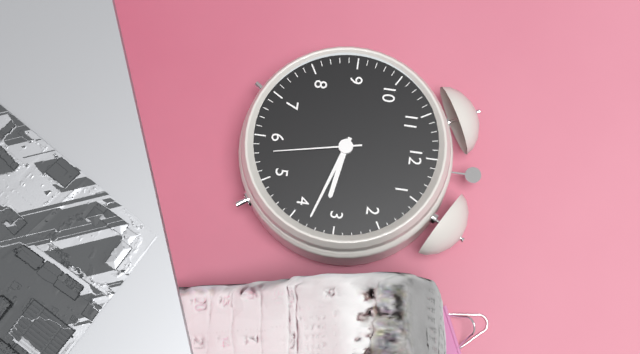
{"hour": 3, "minute": 18, "second": 28}
